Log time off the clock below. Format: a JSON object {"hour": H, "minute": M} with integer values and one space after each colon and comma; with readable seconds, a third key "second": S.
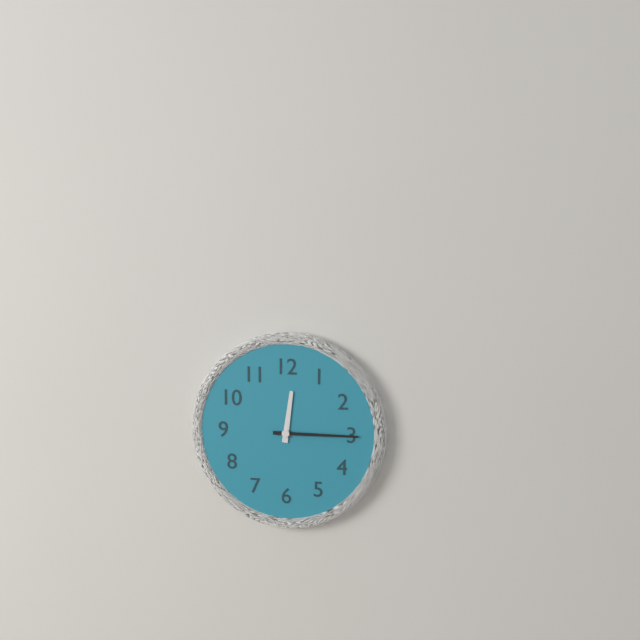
{"hour": 12, "minute": 15}
